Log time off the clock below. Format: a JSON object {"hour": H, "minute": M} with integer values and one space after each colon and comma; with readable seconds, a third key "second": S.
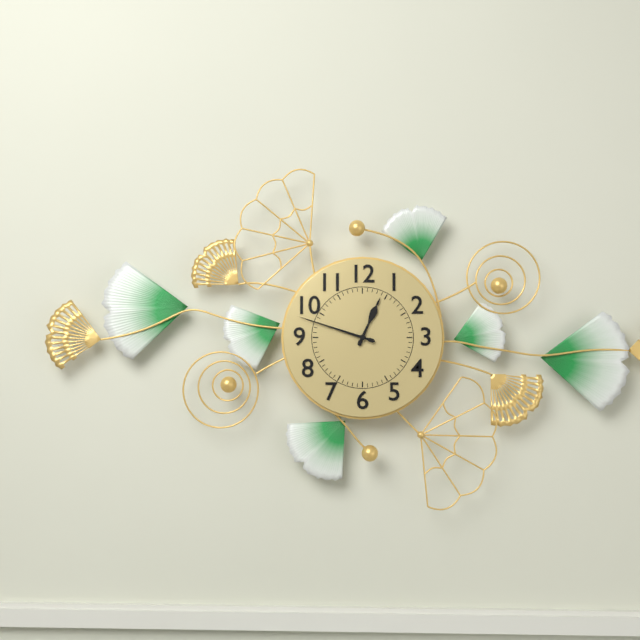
{"hour": 12, "minute": 48}
